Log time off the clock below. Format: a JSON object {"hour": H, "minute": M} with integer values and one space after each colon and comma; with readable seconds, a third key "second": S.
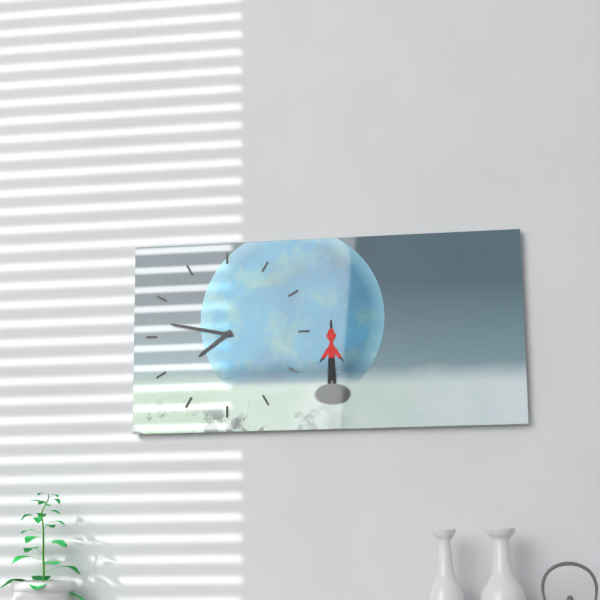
{"hour": 7, "minute": 47}
